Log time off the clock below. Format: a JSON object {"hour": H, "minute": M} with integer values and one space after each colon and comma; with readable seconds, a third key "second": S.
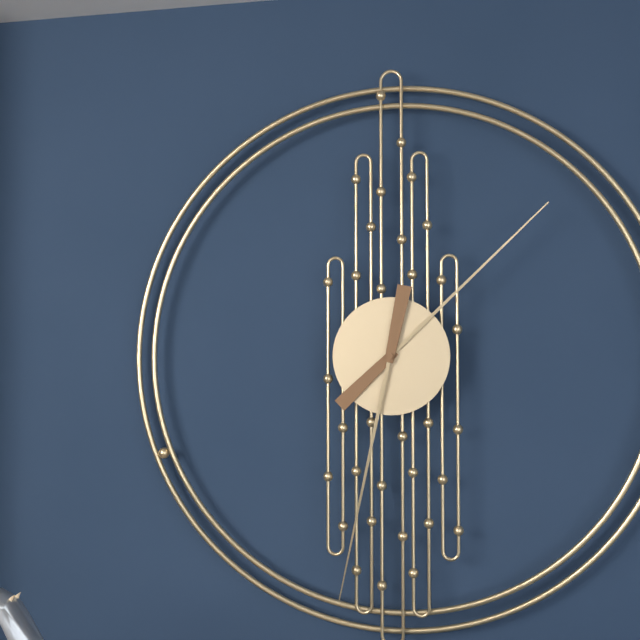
{"hour": 1, "minute": 32}
